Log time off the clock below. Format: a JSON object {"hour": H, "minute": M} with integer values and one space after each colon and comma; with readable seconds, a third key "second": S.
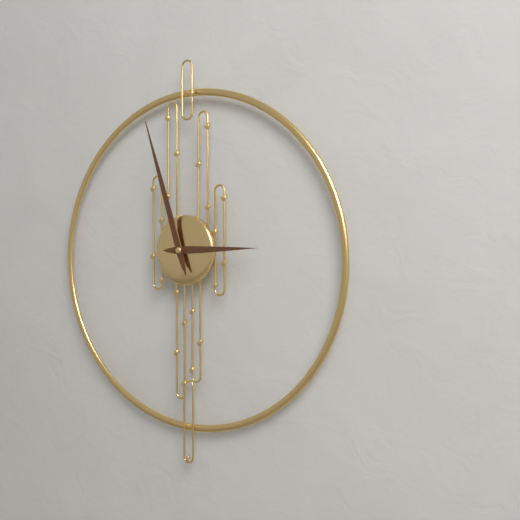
{"hour": 2, "minute": 57}
